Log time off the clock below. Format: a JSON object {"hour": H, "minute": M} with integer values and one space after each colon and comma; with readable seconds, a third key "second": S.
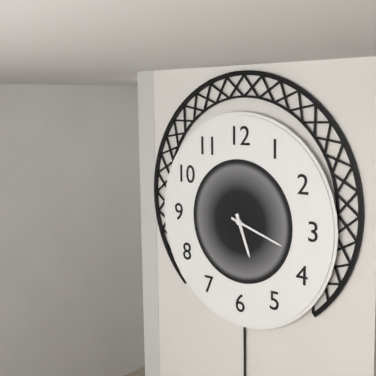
{"hour": 5, "minute": 18}
